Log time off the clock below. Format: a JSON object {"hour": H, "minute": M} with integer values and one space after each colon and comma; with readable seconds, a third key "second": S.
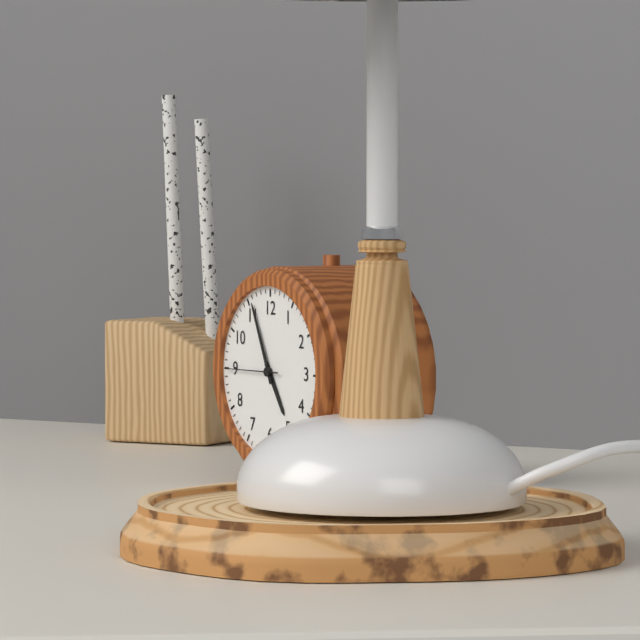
{"hour": 4, "minute": 56, "second": 45}
